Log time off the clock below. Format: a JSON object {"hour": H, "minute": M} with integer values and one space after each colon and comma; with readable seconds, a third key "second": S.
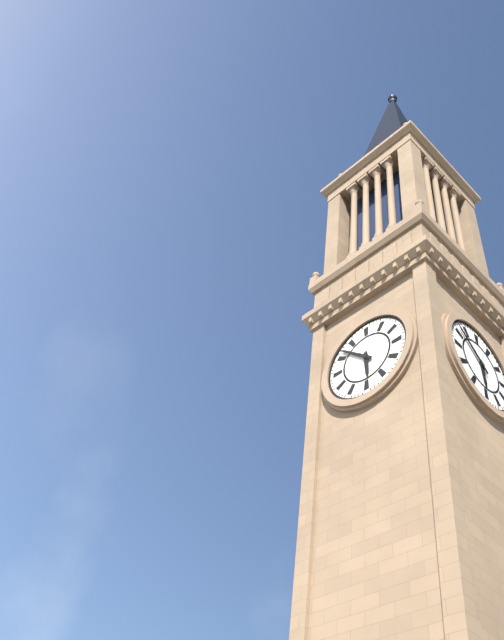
{"hour": 5, "minute": 52}
